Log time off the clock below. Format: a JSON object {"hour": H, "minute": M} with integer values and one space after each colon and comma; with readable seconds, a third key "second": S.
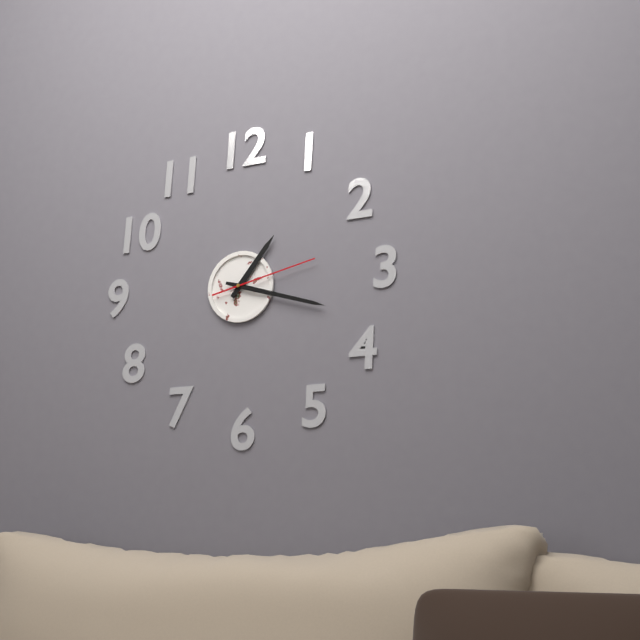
{"hour": 1, "minute": 18, "second": 13}
